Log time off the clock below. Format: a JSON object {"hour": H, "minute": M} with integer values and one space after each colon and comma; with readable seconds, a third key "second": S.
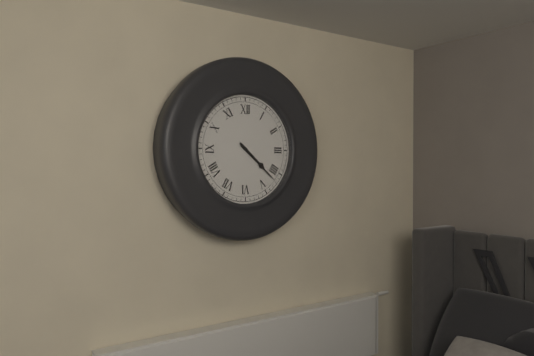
{"hour": 4, "minute": 22}
